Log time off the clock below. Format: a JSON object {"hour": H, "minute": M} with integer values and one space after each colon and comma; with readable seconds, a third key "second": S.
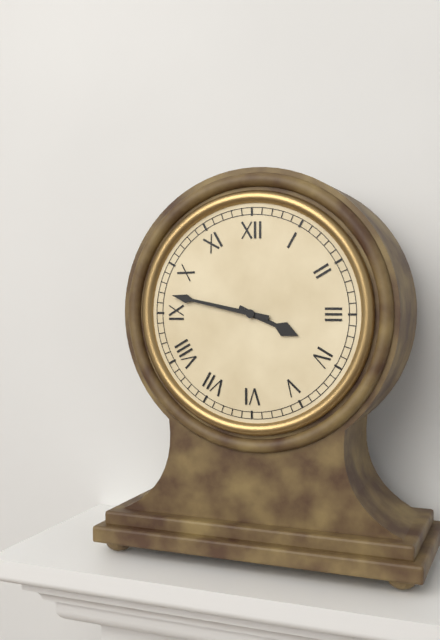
{"hour": 3, "minute": 47}
